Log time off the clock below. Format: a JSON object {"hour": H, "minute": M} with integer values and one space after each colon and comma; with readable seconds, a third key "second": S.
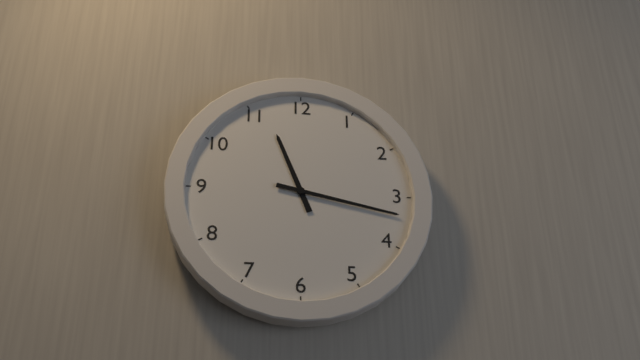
{"hour": 11, "minute": 17}
